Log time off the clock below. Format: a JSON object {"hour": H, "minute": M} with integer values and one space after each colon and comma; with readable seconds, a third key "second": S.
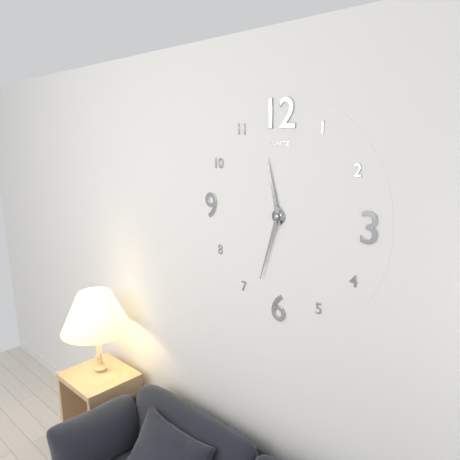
{"hour": 11, "minute": 33}
